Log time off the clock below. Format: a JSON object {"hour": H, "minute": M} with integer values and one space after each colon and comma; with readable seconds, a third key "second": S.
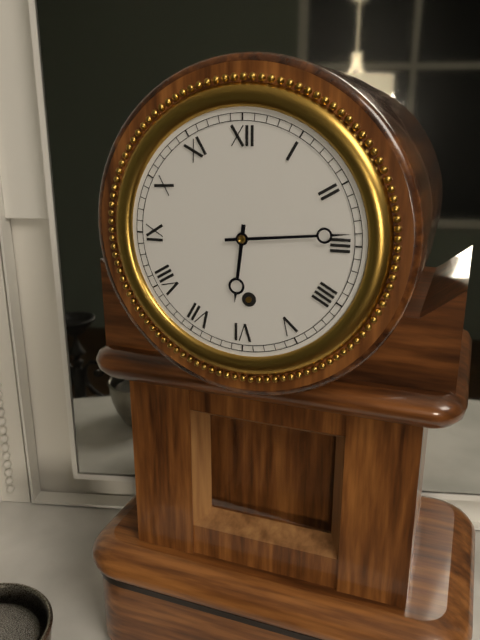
{"hour": 6, "minute": 14}
